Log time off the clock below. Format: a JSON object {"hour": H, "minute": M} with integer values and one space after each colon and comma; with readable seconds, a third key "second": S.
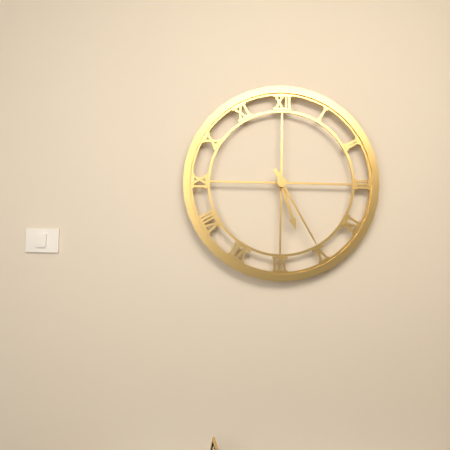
{"hour": 5, "minute": 25}
